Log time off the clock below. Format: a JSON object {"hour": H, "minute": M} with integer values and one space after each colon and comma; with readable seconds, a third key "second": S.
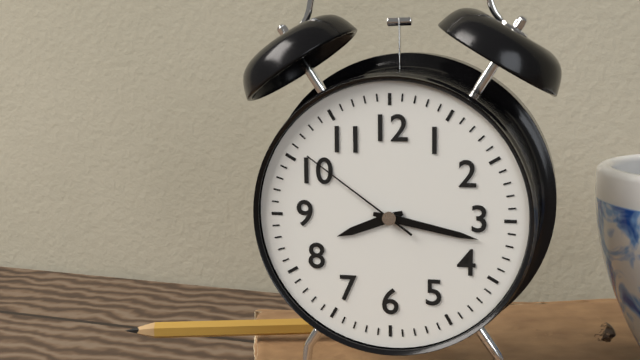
{"hour": 8, "minute": 17, "second": 51}
